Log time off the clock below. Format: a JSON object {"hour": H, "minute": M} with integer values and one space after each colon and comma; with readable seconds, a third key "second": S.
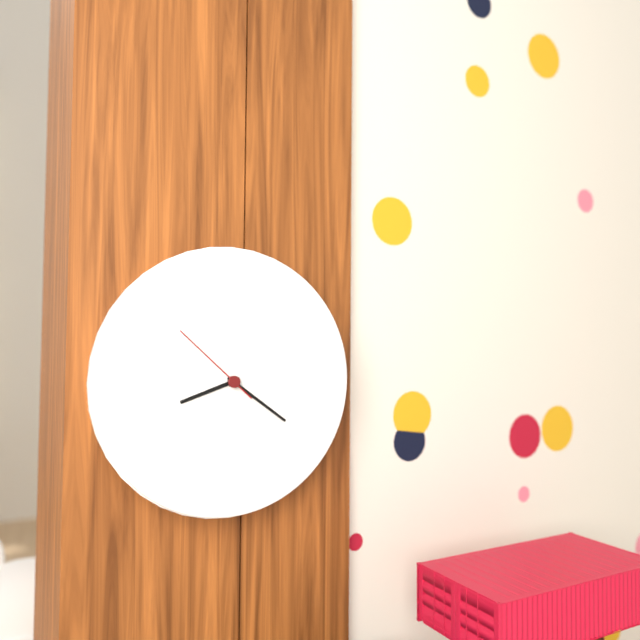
{"hour": 8, "minute": 21, "second": 52}
